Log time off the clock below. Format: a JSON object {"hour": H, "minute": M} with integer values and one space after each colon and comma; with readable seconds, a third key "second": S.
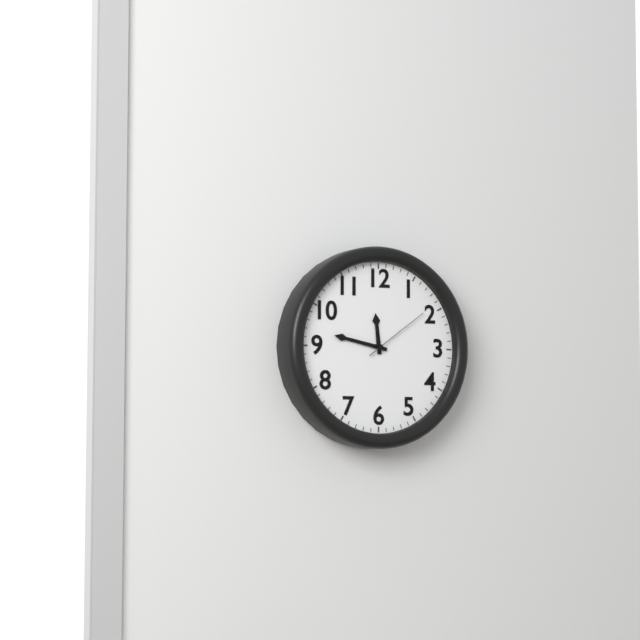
{"hour": 11, "minute": 47, "second": 9}
